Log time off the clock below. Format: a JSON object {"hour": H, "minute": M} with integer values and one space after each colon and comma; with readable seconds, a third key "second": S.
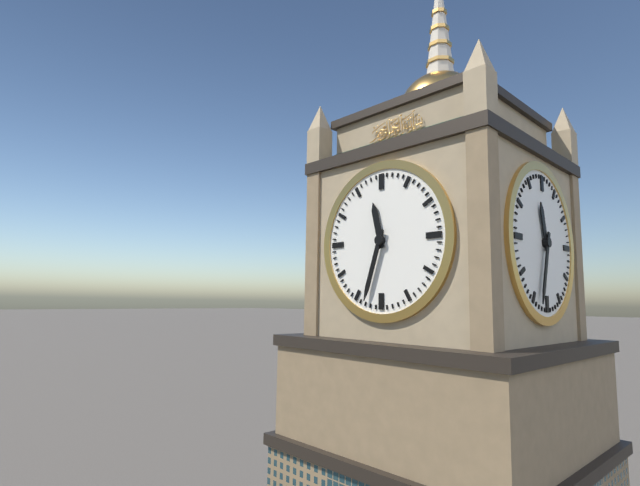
{"hour": 11, "minute": 33}
